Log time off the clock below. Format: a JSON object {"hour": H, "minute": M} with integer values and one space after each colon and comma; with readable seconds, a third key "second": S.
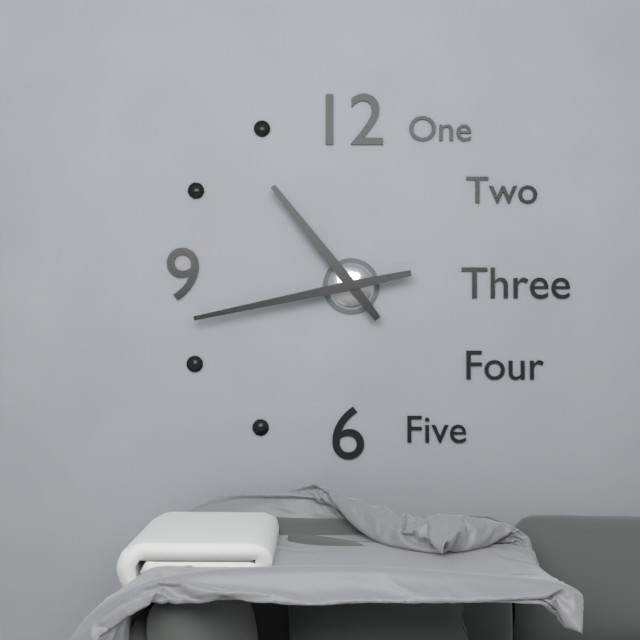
{"hour": 10, "minute": 43}
